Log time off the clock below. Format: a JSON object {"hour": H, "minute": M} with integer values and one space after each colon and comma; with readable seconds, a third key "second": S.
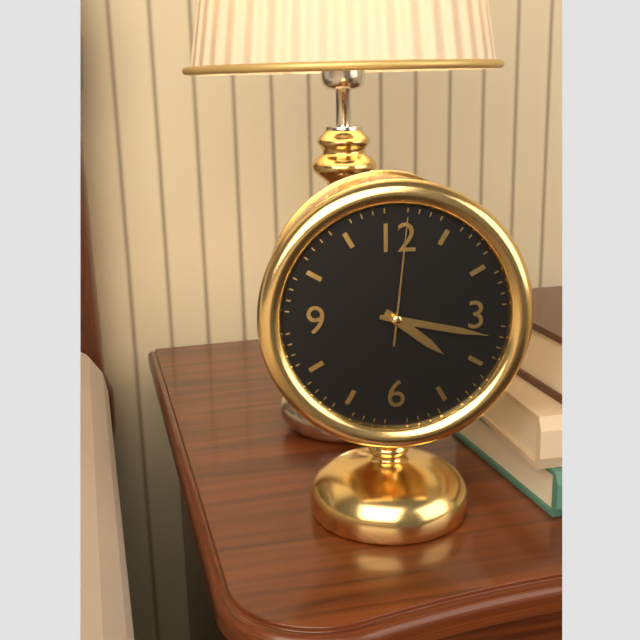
{"hour": 4, "minute": 17, "second": 1}
